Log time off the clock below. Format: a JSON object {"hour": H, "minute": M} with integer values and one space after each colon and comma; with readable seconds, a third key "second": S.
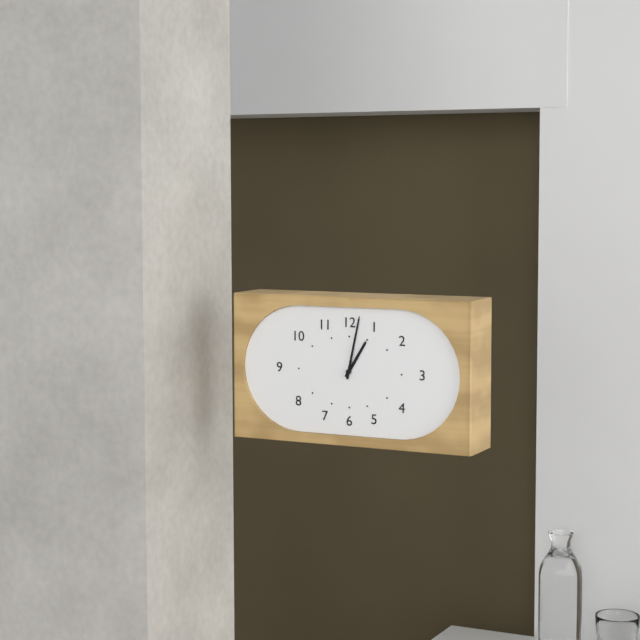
{"hour": 1, "minute": 2}
